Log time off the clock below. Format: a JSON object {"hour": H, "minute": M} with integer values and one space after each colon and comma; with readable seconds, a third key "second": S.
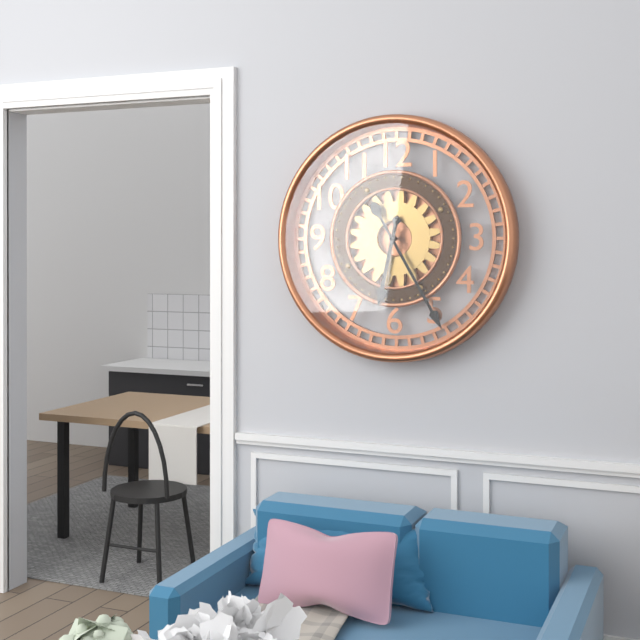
{"hour": 6, "minute": 25}
